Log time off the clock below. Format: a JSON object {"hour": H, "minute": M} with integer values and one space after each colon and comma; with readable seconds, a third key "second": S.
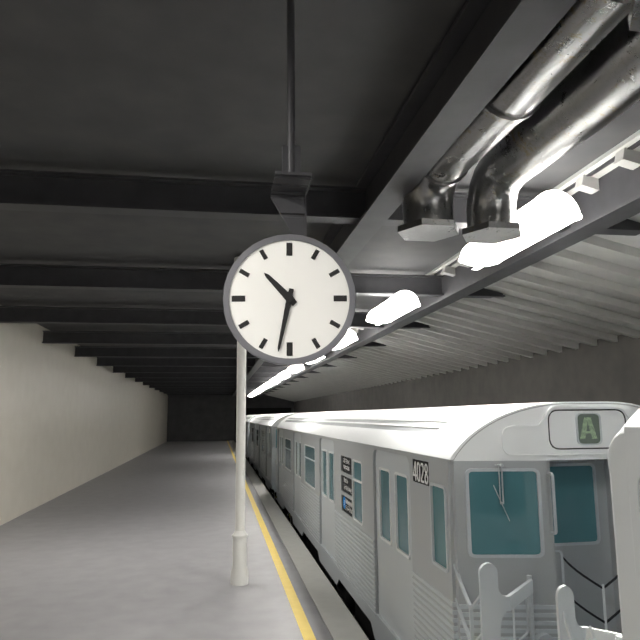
{"hour": 10, "minute": 32}
